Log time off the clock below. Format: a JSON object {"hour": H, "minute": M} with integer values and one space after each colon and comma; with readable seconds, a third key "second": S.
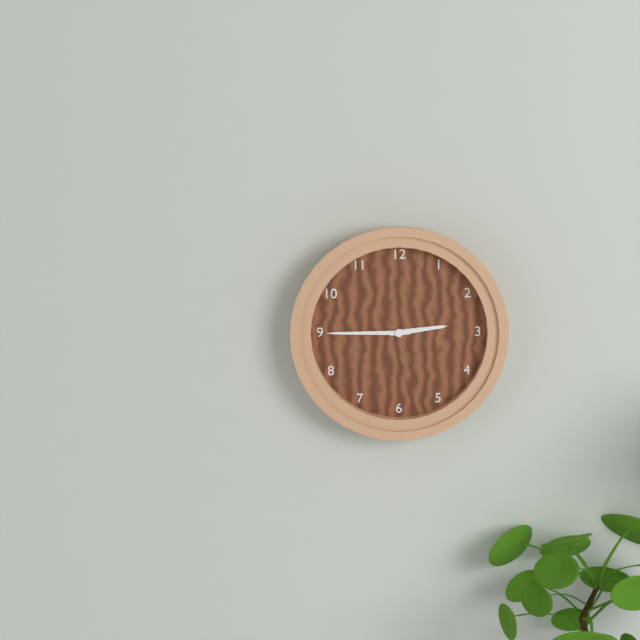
{"hour": 2, "minute": 45}
